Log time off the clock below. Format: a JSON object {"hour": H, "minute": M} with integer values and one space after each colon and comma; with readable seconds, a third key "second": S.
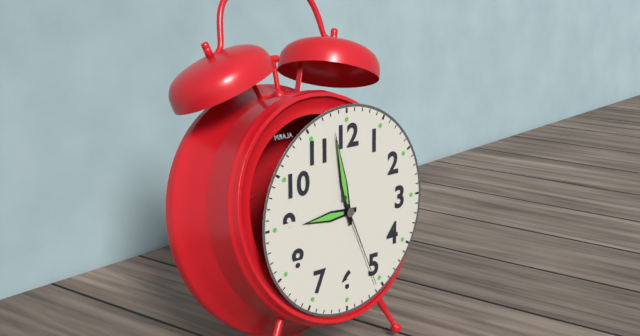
{"hour": 8, "minute": 58, "second": 26}
